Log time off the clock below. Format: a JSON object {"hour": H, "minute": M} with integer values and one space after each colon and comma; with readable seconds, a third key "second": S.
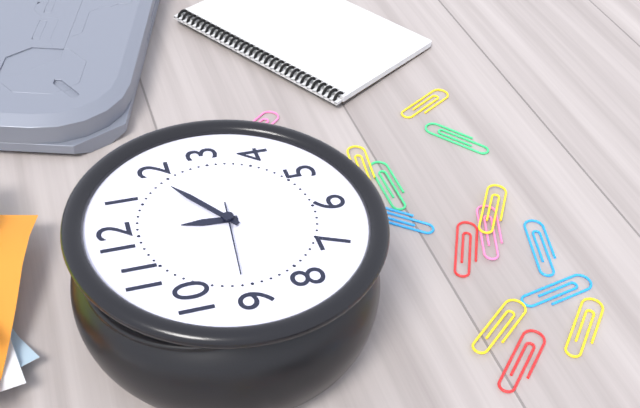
{"hour": 12, "minute": 9, "second": 46}
